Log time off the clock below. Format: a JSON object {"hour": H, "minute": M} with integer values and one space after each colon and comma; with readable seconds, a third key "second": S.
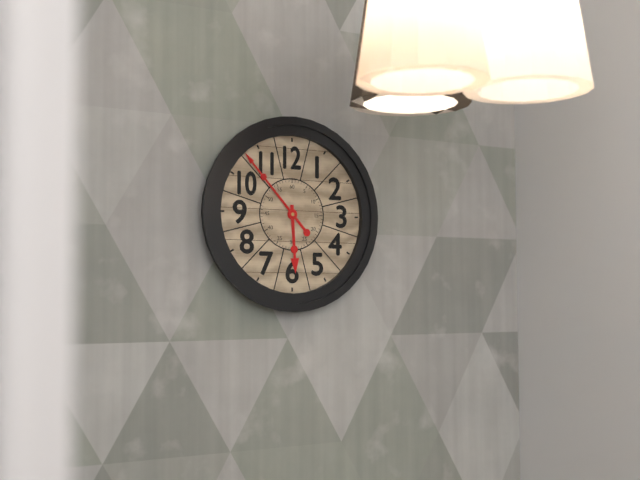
{"hour": 5, "minute": 53}
